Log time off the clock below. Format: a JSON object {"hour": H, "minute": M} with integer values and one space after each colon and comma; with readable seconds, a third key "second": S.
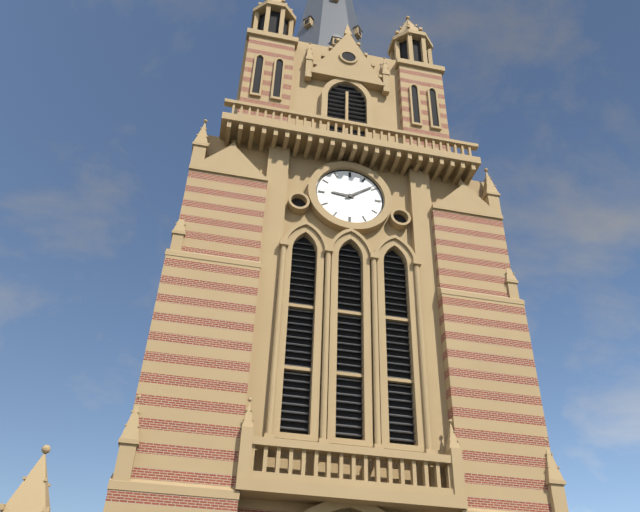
{"hour": 9, "minute": 9}
